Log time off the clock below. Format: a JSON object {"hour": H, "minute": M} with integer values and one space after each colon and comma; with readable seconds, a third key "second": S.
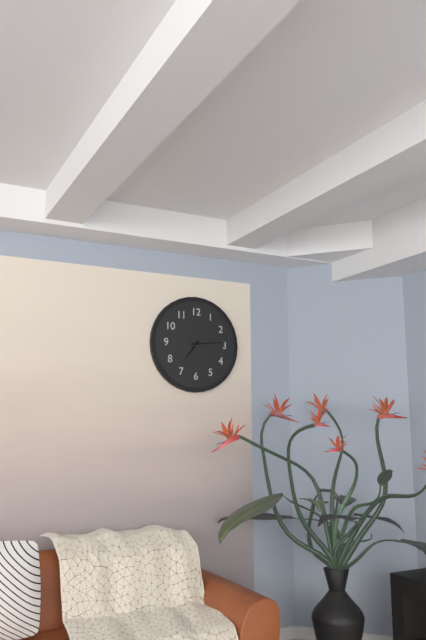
{"hour": 7, "minute": 14}
